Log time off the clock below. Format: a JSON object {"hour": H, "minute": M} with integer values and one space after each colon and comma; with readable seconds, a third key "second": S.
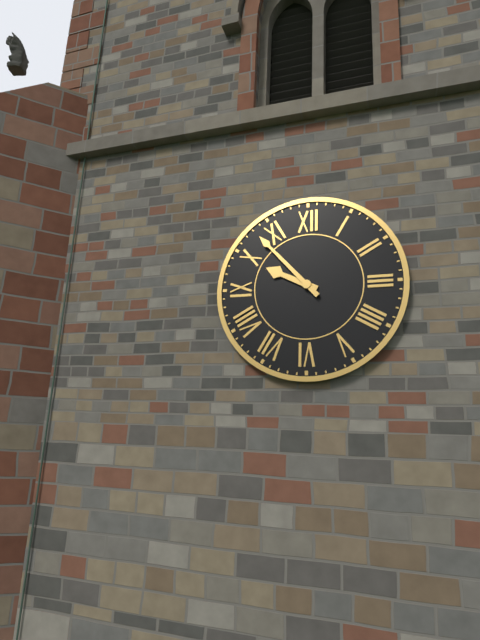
{"hour": 9, "minute": 53}
